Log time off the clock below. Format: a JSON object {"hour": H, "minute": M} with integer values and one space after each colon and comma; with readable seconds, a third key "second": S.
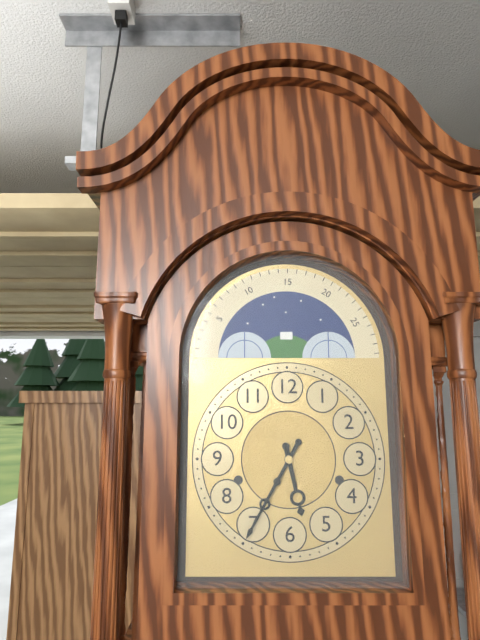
{"hour": 5, "minute": 35}
